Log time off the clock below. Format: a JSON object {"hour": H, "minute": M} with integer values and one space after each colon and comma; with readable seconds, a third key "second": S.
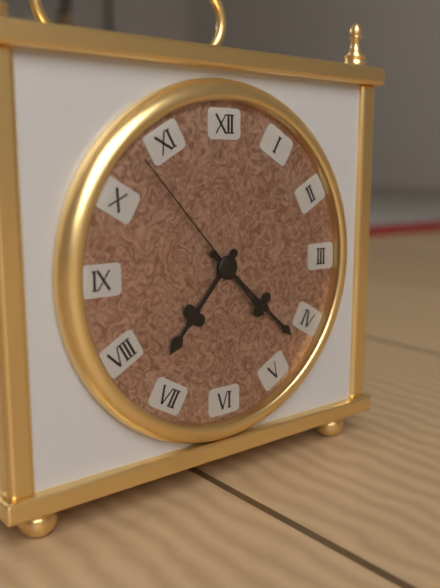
{"hour": 7, "minute": 22, "second": 53}
